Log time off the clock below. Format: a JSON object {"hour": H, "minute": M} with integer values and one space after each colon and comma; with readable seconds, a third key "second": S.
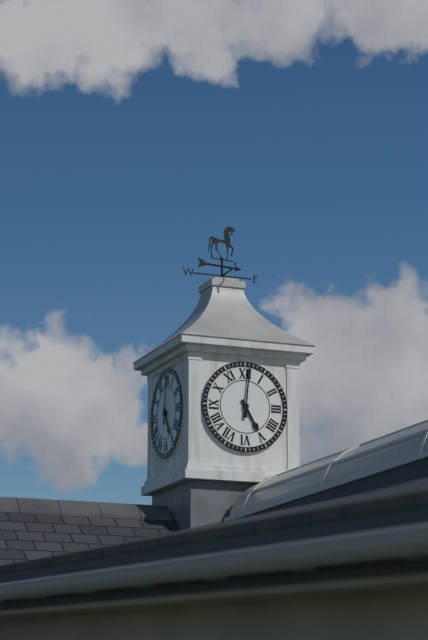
{"hour": 5, "minute": 1}
